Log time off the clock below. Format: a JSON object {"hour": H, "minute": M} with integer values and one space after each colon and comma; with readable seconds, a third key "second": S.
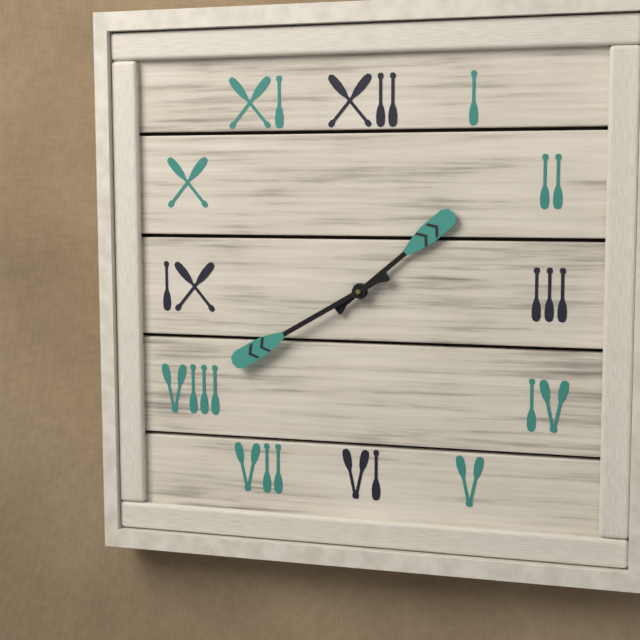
{"hour": 1, "minute": 40}
